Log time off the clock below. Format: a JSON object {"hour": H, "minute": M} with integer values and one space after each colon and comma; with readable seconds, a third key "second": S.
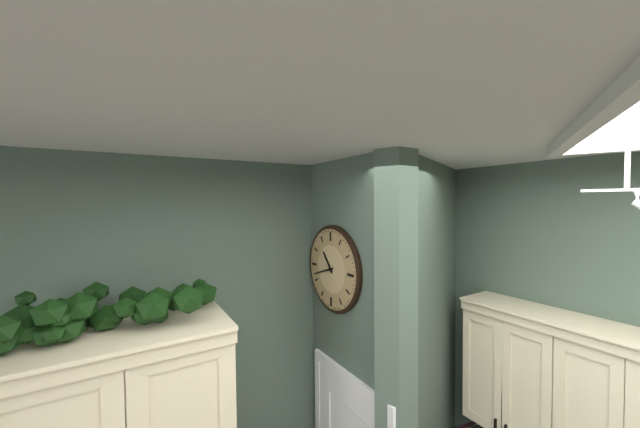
{"hour": 10, "minute": 42}
